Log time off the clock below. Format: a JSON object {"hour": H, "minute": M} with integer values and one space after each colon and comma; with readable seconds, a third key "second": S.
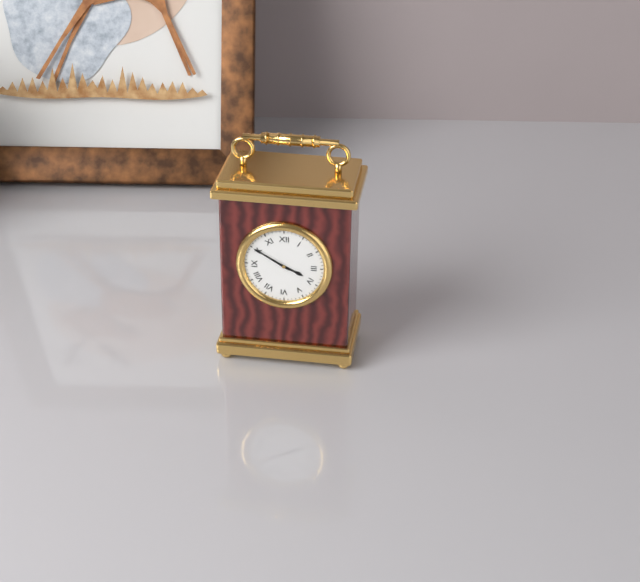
{"hour": 3, "minute": 50}
